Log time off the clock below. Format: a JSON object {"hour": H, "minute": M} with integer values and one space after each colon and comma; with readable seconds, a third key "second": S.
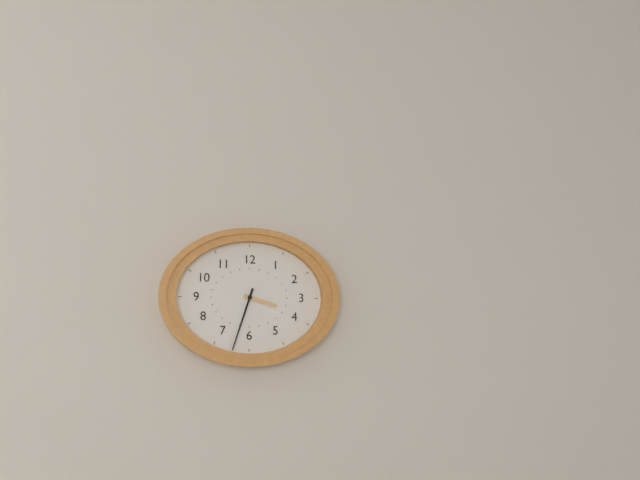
{"hour": 3, "minute": 33}
